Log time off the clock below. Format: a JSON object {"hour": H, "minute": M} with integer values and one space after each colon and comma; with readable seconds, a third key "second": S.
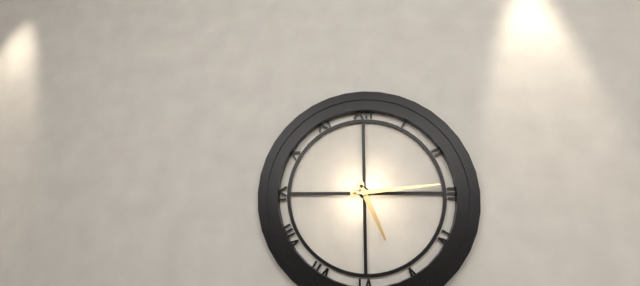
{"hour": 5, "minute": 14}
